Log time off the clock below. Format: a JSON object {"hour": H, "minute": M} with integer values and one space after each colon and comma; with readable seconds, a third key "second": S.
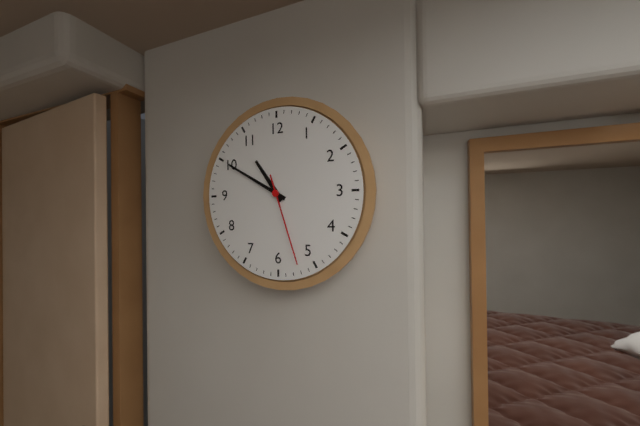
{"hour": 10, "minute": 50, "second": 27}
